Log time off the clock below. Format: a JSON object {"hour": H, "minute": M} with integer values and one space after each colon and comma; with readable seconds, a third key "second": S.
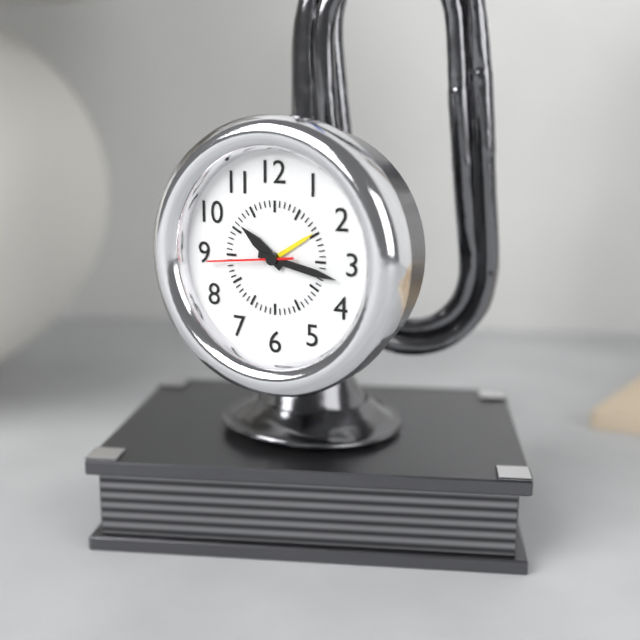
{"hour": 10, "minute": 17, "second": 44}
